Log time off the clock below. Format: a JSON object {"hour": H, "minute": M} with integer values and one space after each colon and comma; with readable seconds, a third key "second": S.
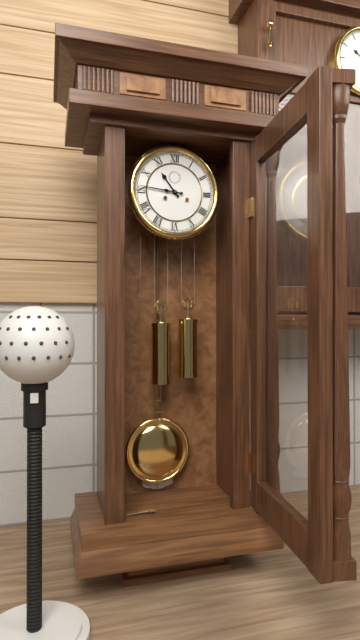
{"hour": 10, "minute": 46}
